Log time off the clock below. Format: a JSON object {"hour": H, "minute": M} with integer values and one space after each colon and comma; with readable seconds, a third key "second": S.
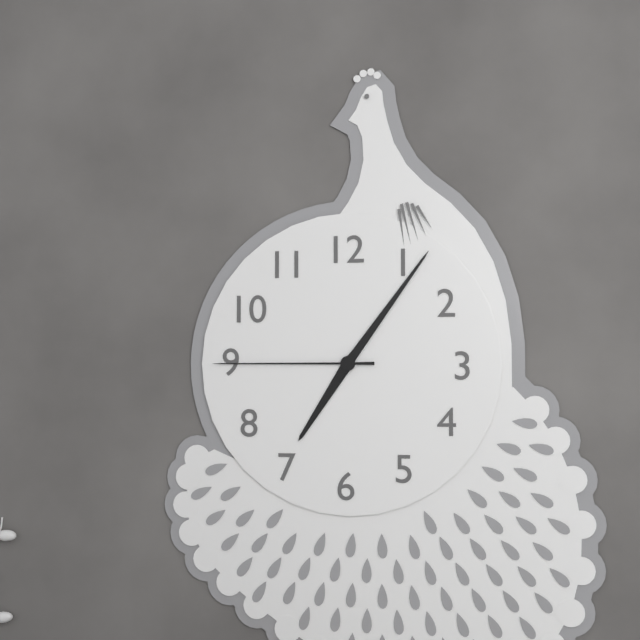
{"hour": 7, "minute": 6, "second": 45}
